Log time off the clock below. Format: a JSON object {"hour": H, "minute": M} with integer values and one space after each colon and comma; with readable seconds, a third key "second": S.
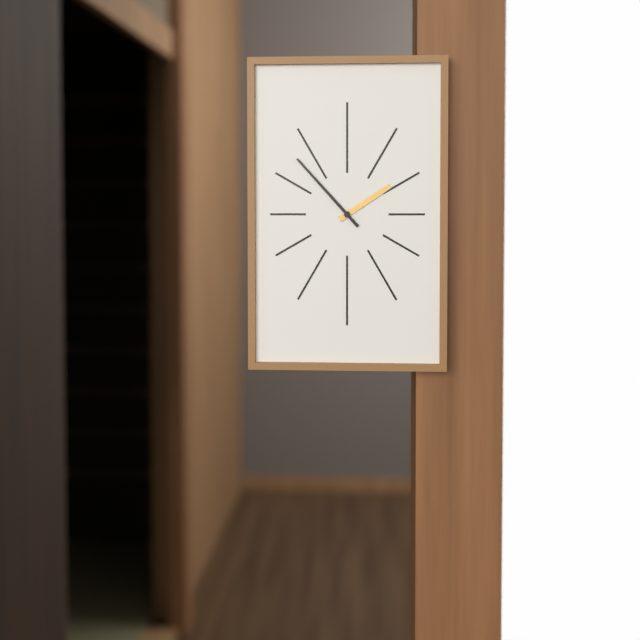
{"hour": 1, "minute": 53}
